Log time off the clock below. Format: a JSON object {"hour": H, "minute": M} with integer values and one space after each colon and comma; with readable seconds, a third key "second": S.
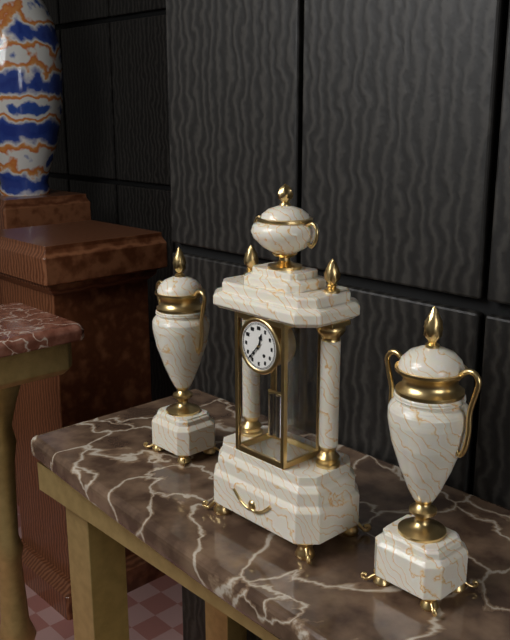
{"hour": 12, "minute": 37}
